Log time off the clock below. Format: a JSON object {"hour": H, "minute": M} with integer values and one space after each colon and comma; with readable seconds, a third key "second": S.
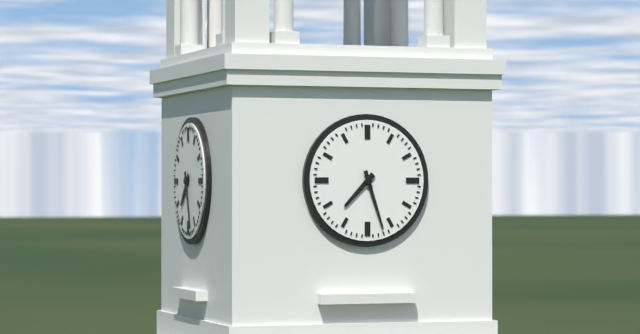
{"hour": 7, "minute": 27}
